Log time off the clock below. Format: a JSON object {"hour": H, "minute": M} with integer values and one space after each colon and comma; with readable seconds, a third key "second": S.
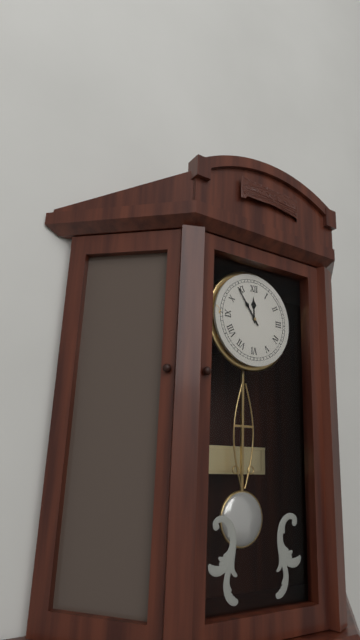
{"hour": 11, "minute": 54}
